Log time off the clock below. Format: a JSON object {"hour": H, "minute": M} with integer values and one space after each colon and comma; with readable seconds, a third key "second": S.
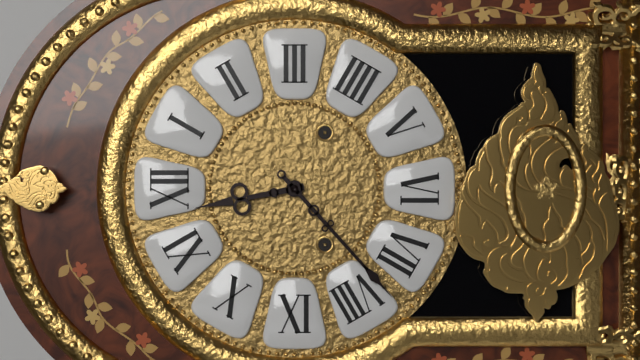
{"hour": 11, "minute": 38}
